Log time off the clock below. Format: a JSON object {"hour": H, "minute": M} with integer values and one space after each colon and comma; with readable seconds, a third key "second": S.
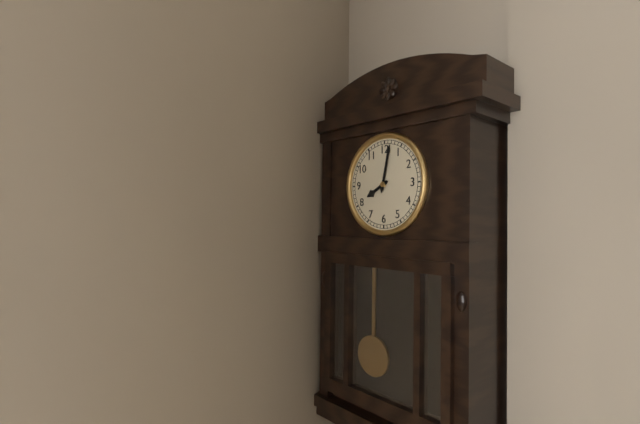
{"hour": 8, "minute": 2}
